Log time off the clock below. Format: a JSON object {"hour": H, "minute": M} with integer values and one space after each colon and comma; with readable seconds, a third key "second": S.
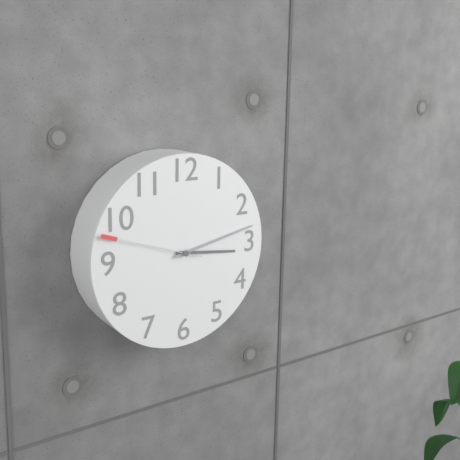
{"hour": 3, "minute": 13, "second": 48}
